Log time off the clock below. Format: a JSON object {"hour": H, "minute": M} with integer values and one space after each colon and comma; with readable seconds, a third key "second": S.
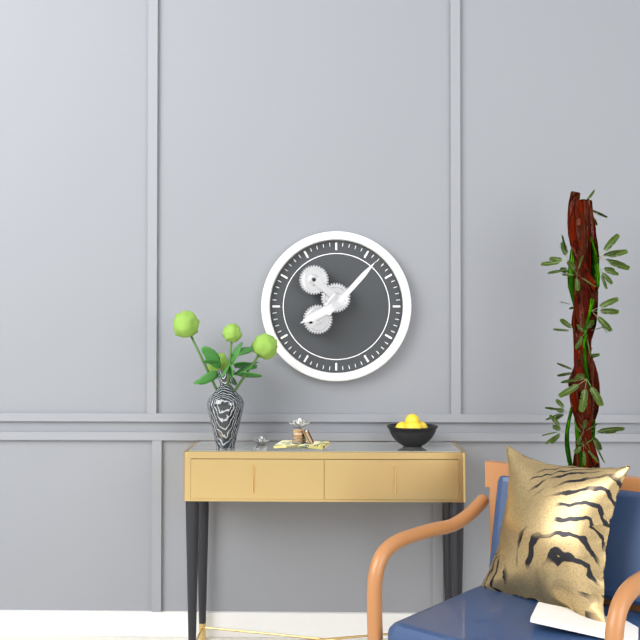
{"hour": 8, "minute": 7}
